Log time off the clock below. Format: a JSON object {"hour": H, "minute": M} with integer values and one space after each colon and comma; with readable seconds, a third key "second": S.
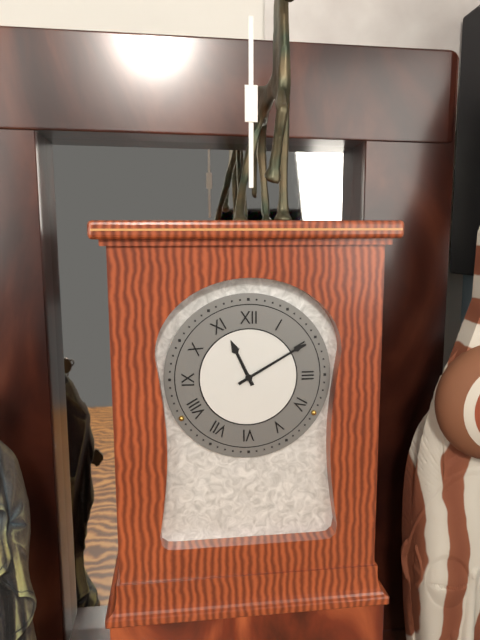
{"hour": 11, "minute": 10}
